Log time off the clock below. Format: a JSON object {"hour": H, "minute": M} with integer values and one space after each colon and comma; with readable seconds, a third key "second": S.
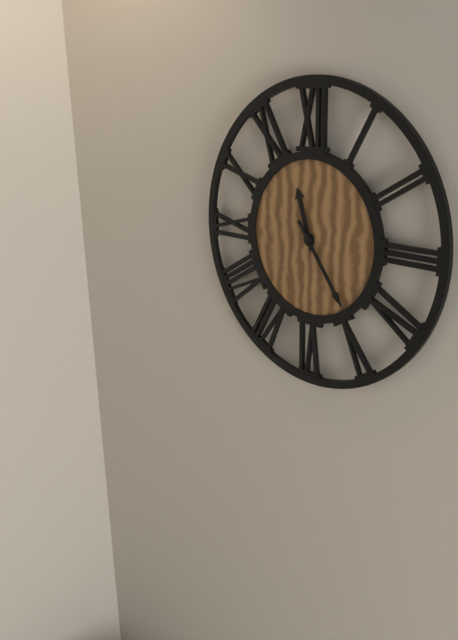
{"hour": 11, "minute": 24}
